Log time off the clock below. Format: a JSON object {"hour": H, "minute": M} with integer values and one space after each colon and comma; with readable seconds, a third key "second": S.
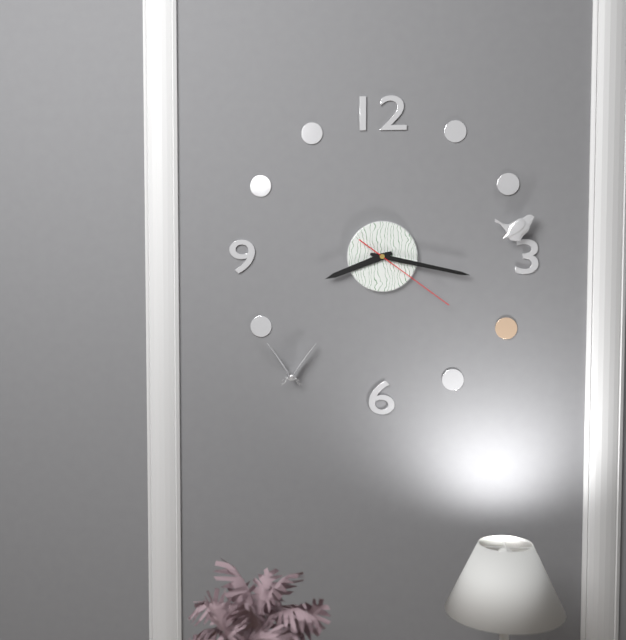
{"hour": 8, "minute": 17, "second": 21}
